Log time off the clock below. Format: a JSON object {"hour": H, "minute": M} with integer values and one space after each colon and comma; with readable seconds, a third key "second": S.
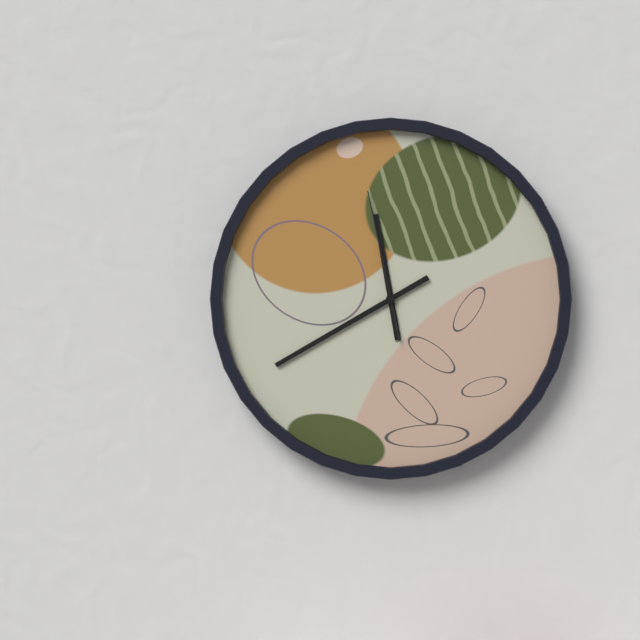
{"hour": 11, "minute": 40, "second": 58}
